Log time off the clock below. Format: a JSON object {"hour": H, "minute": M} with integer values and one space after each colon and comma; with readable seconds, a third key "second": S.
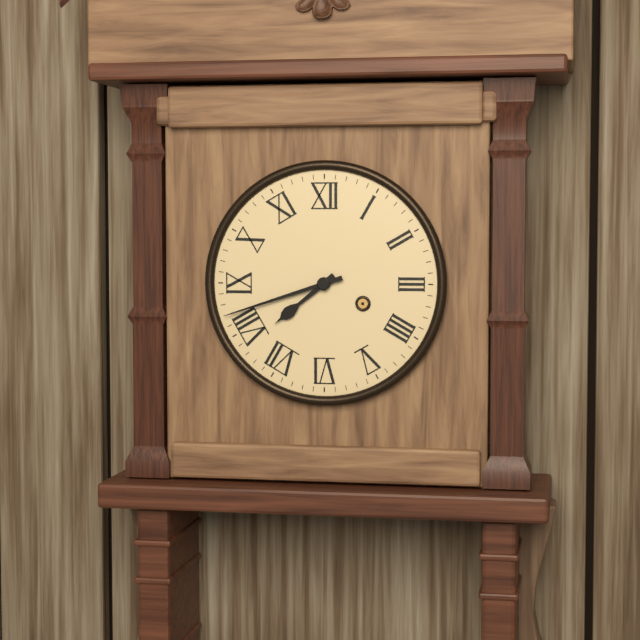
{"hour": 7, "minute": 42}
